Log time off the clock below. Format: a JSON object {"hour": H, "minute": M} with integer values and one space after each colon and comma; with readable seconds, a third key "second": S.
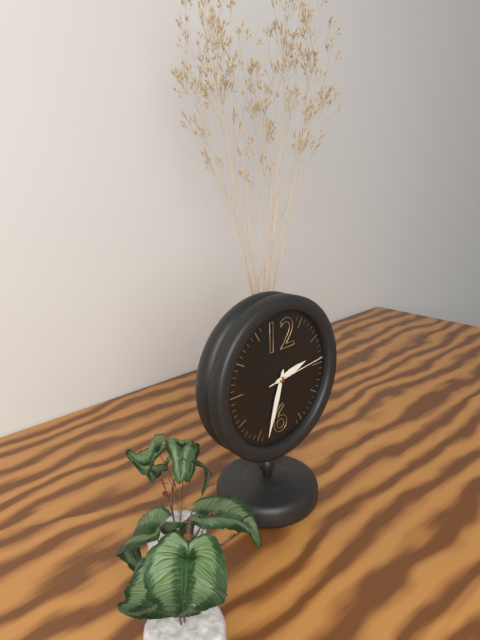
{"hour": 2, "minute": 33, "second": 14}
